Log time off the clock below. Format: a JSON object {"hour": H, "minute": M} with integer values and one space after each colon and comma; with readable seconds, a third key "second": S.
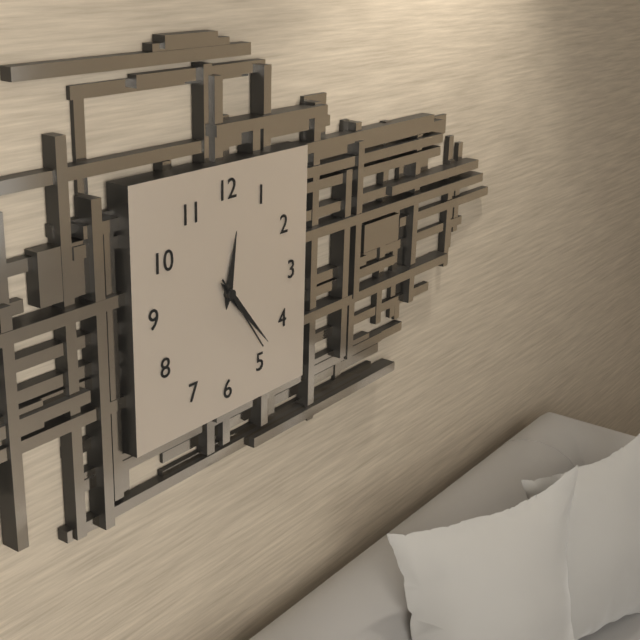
{"hour": 12, "minute": 23, "second": 24}
